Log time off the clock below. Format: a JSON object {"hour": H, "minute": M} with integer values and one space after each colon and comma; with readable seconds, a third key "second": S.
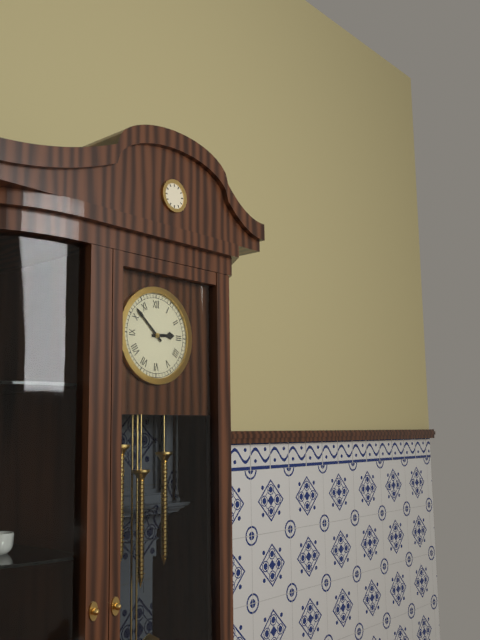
{"hour": 2, "minute": 52}
